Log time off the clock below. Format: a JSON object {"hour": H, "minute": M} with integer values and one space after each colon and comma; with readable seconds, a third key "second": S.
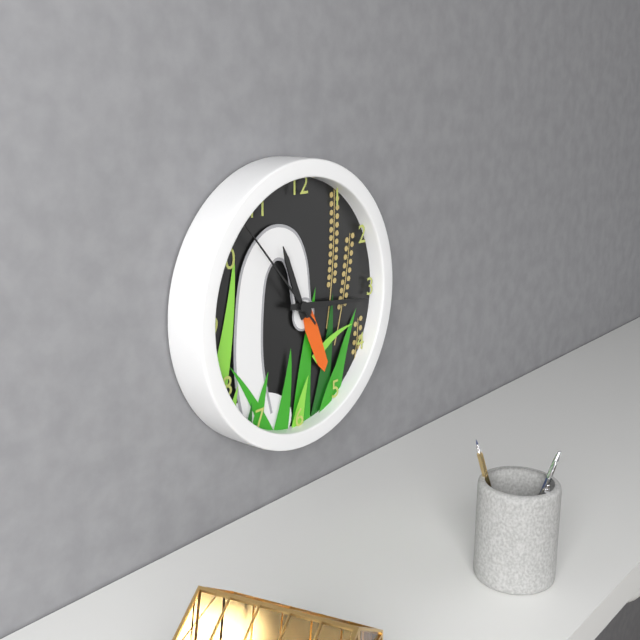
{"hour": 11, "minute": 16, "second": 53}
